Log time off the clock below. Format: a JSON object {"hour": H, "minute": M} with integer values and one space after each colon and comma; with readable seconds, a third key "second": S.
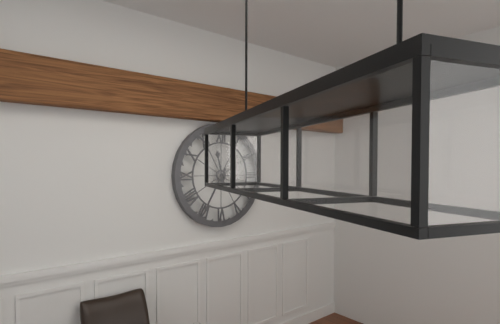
{"hour": 11, "minute": 35}
